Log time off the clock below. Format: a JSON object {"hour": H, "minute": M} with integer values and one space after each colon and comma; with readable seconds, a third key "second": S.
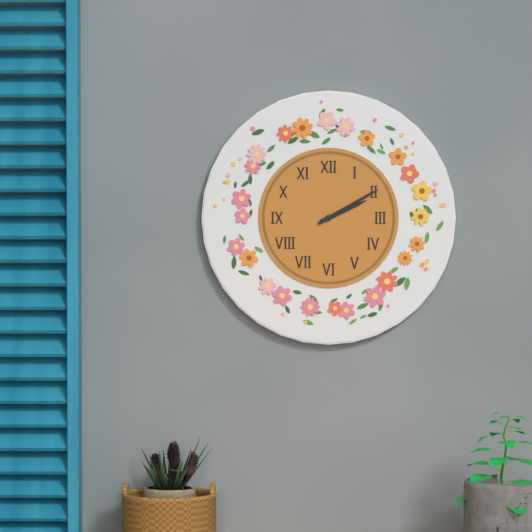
{"hour": 2, "minute": 10}
